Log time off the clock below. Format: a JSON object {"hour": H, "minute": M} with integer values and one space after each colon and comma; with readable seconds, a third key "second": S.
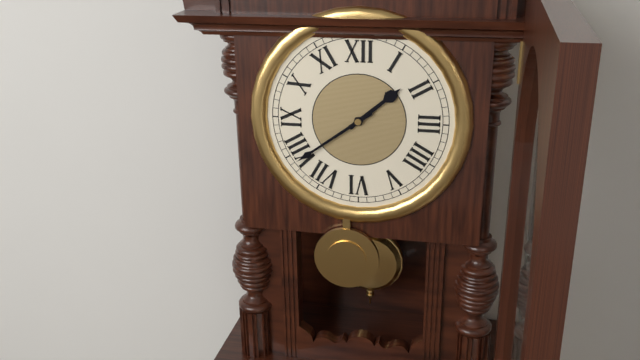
{"hour": 1, "minute": 39}
